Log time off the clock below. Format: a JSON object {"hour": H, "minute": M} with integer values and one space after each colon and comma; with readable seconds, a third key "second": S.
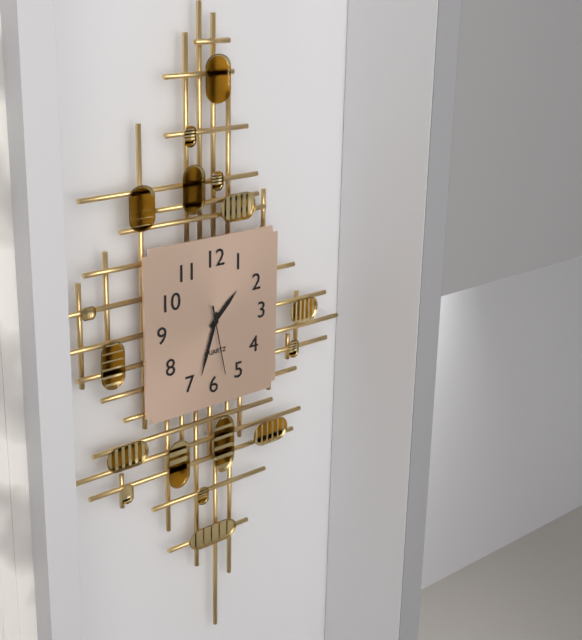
{"hour": 1, "minute": 33, "second": 28}
